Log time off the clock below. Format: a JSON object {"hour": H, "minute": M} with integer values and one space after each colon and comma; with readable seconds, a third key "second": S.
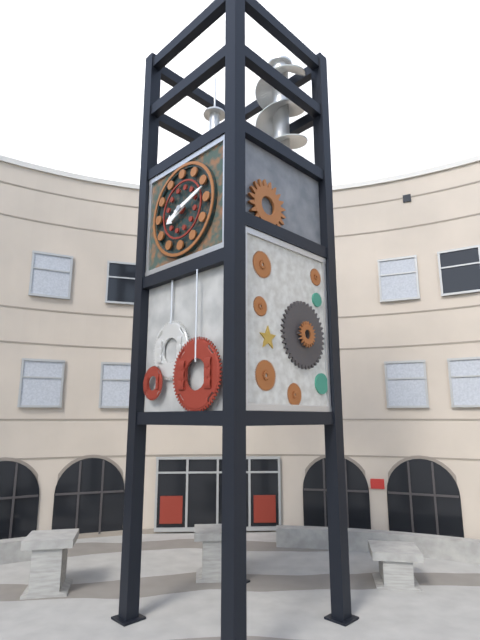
{"hour": 8, "minute": 12}
